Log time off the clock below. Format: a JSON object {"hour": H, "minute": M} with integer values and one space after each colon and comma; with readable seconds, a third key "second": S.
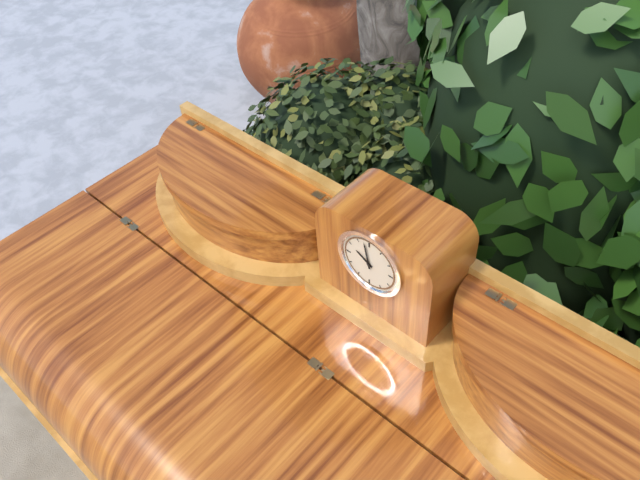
{"hour": 9, "minute": 58}
